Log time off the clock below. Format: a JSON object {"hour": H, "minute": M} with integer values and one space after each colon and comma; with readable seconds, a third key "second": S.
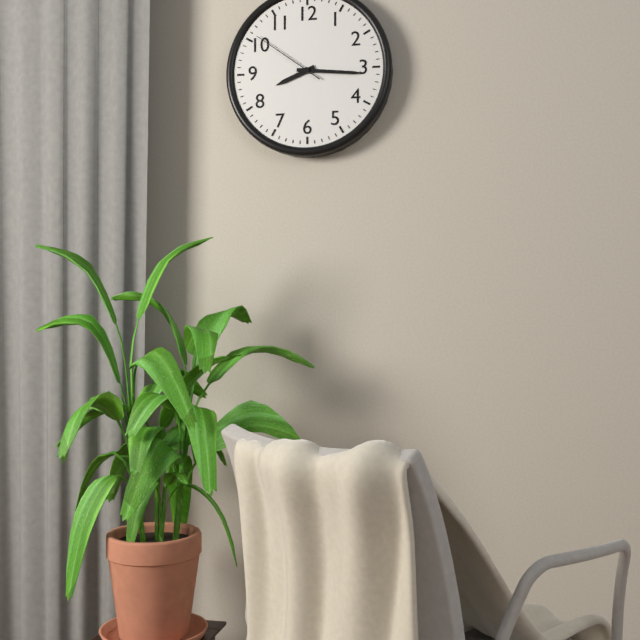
{"hour": 8, "minute": 16, "second": 51}
